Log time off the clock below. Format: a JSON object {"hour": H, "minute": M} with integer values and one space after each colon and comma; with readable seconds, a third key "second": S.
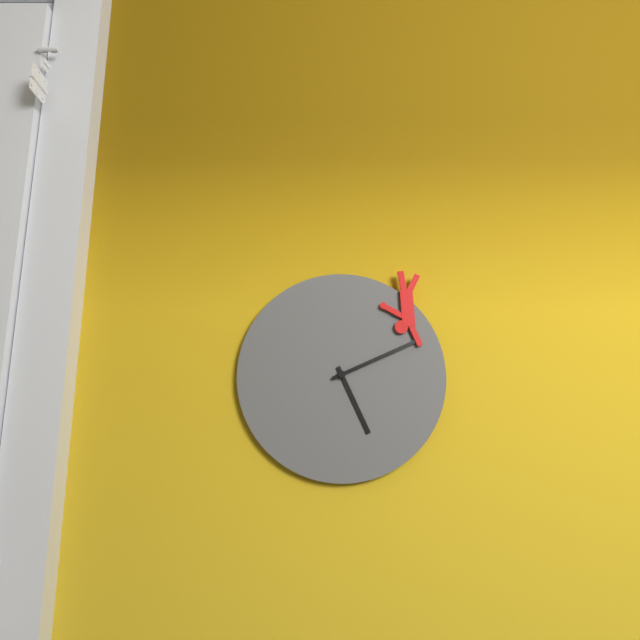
{"hour": 5, "minute": 11}
